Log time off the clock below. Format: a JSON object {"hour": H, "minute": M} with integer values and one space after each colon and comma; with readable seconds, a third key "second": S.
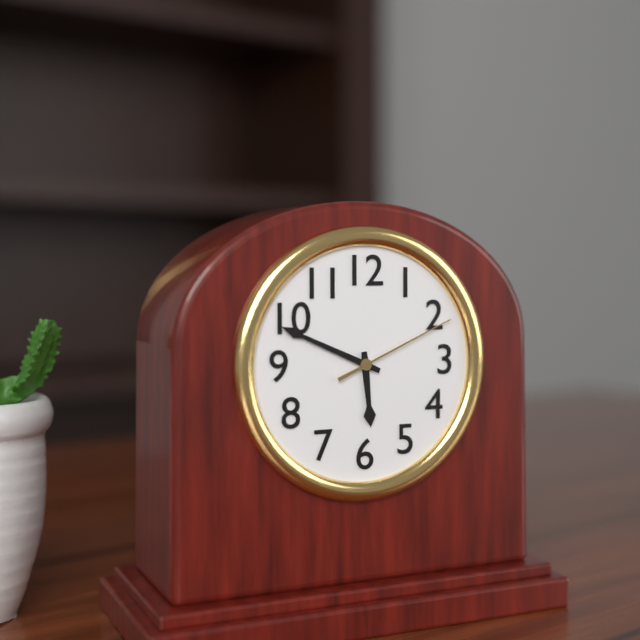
{"hour": 5, "minute": 49, "second": 11}
